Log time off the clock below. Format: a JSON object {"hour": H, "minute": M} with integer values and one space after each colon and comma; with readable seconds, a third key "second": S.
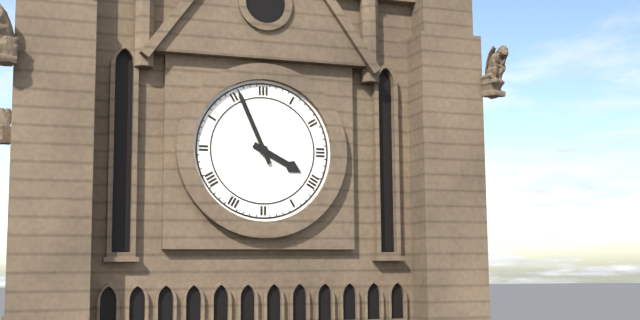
{"hour": 3, "minute": 56}
